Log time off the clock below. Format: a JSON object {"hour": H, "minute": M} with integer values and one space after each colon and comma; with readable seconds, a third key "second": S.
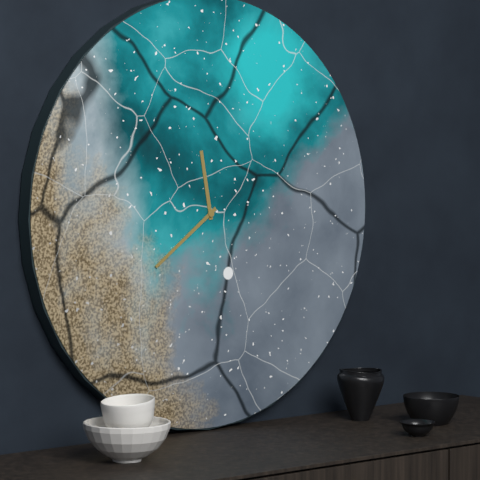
{"hour": 11, "minute": 39}
